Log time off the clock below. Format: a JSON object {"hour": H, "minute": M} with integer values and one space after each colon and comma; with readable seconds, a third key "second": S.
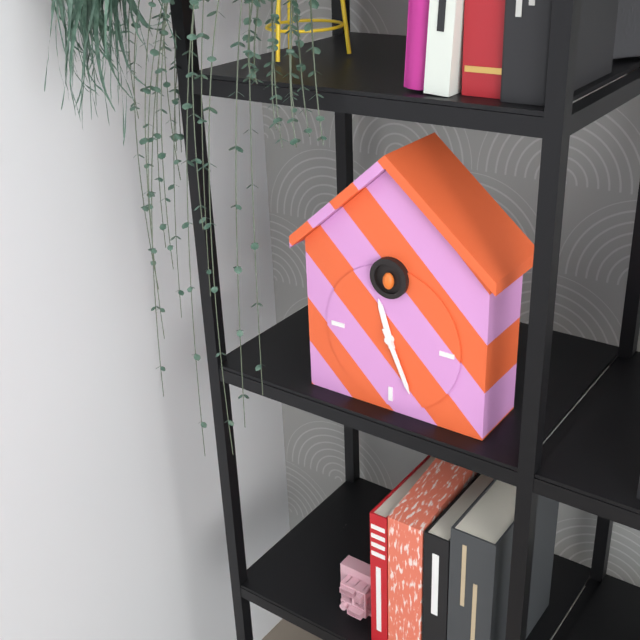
{"hour": 11, "minute": 26}
